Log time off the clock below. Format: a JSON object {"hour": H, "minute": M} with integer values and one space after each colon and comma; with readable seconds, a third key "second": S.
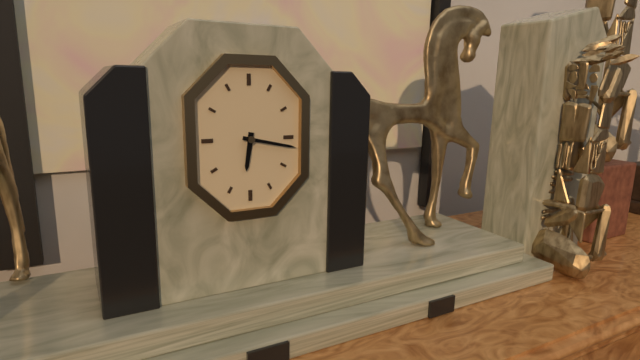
{"hour": 6, "minute": 17}
